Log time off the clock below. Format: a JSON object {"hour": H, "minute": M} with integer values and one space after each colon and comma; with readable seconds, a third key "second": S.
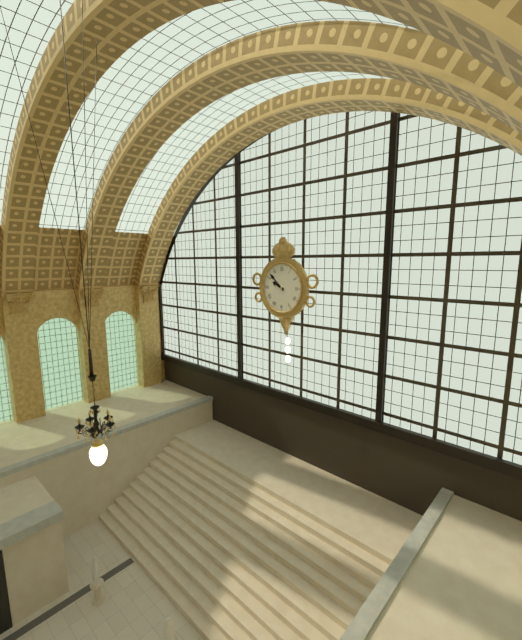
{"hour": 9, "minute": 52}
